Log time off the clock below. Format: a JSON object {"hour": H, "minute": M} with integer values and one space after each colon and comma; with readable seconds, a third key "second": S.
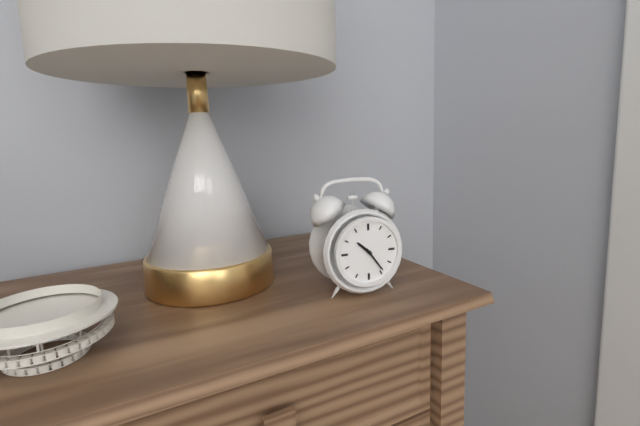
{"hour": 10, "minute": 24}
